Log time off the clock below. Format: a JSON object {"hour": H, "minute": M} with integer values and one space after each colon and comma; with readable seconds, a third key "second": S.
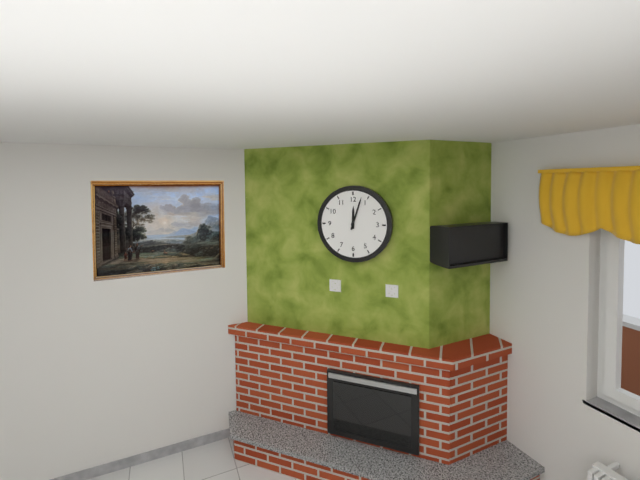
{"hour": 12, "minute": 3}
